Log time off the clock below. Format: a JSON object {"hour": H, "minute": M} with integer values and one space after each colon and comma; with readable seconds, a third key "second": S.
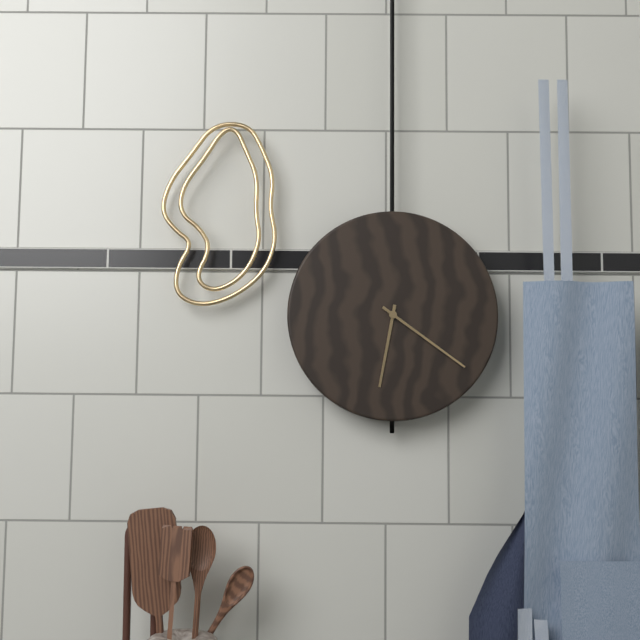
{"hour": 6, "minute": 21}
